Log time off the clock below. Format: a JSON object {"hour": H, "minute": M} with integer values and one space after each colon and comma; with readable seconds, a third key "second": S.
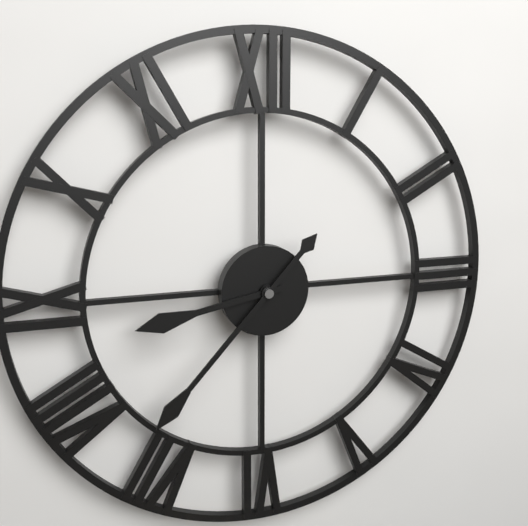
{"hour": 8, "minute": 37}
